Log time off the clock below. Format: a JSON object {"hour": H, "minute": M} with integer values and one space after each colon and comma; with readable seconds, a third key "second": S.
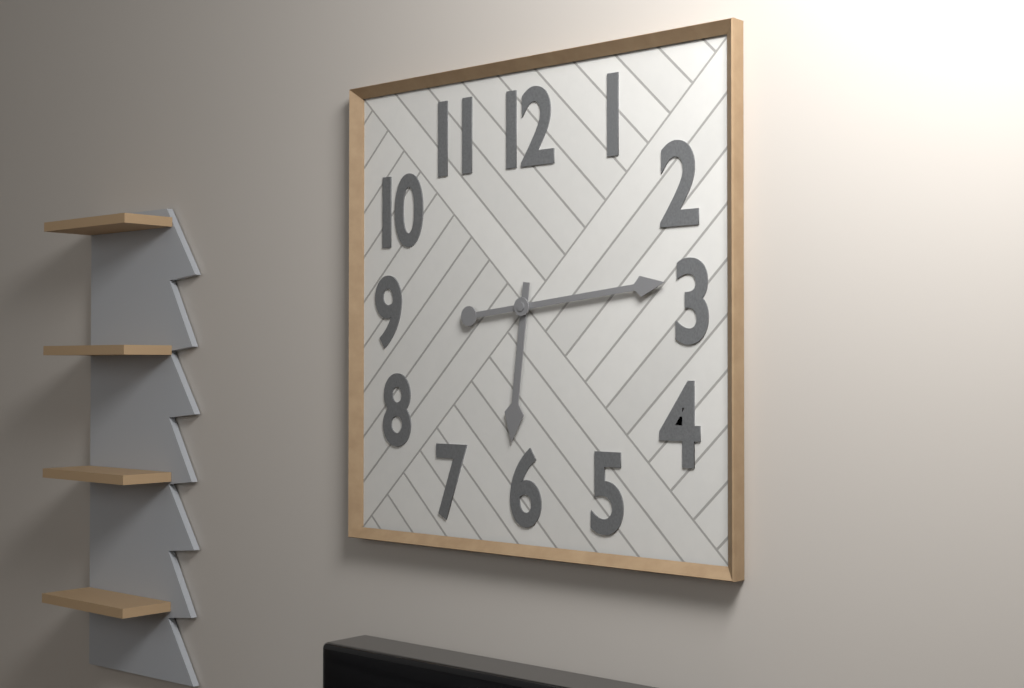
{"hour": 6, "minute": 14}
